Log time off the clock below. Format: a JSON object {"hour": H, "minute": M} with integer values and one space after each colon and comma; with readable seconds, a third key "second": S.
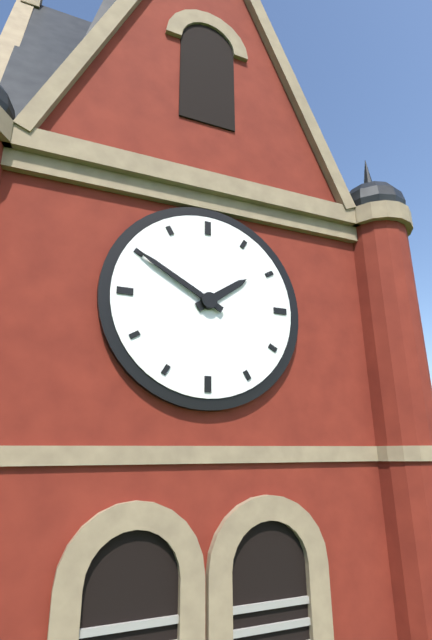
{"hour": 1, "minute": 50}
